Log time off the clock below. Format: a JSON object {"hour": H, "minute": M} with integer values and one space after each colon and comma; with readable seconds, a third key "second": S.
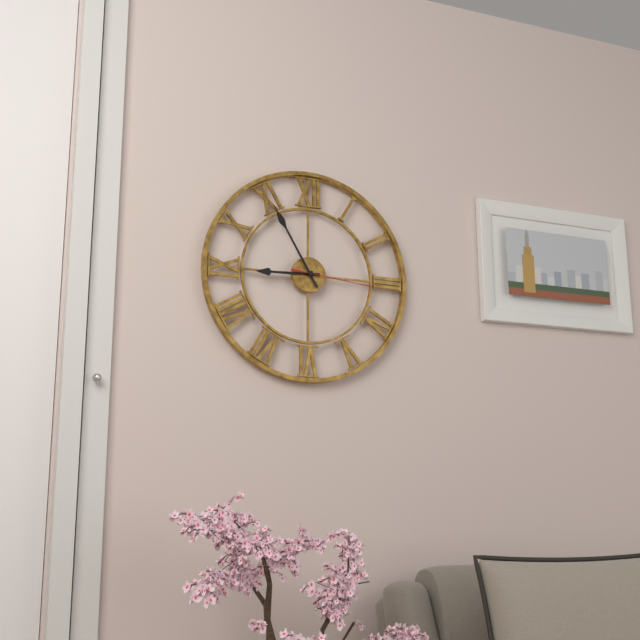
{"hour": 8, "minute": 55, "second": 16}
